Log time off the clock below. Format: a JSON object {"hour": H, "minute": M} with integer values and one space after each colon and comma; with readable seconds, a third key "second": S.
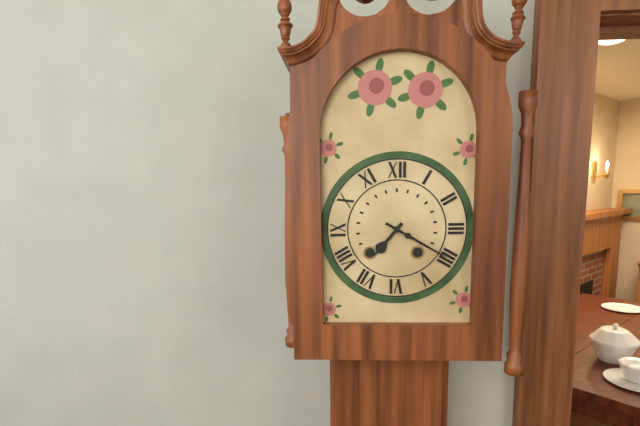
{"hour": 7, "minute": 20}
